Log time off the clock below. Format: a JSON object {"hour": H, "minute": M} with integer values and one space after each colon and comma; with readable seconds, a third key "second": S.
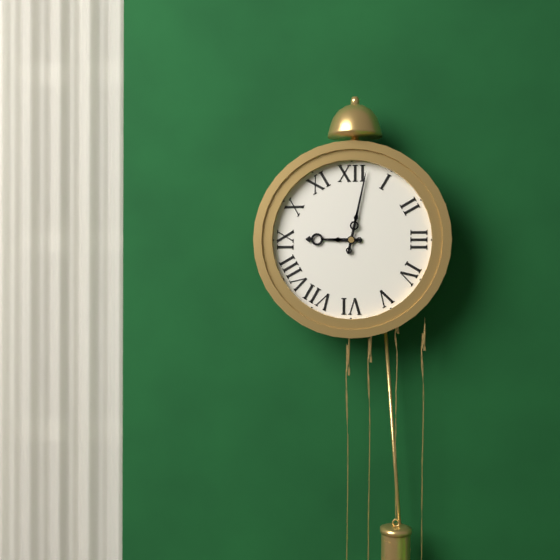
{"hour": 9, "minute": 2}
